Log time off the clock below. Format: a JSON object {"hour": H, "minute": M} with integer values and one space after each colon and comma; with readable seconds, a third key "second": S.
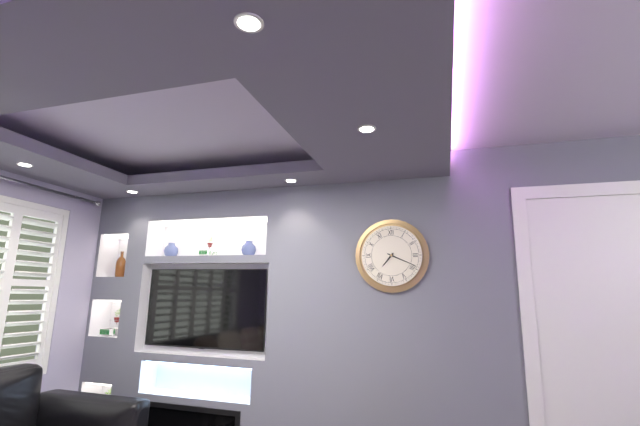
{"hour": 7, "minute": 19}
